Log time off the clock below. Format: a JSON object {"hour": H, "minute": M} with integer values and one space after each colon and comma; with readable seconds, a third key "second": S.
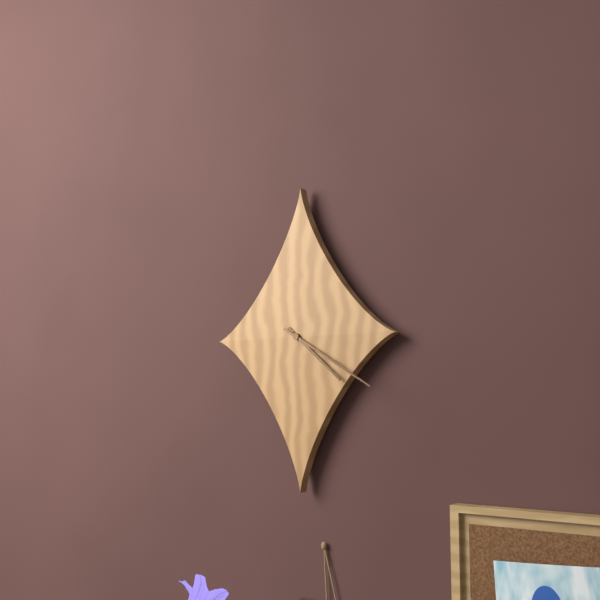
{"hour": 4, "minute": 20}
